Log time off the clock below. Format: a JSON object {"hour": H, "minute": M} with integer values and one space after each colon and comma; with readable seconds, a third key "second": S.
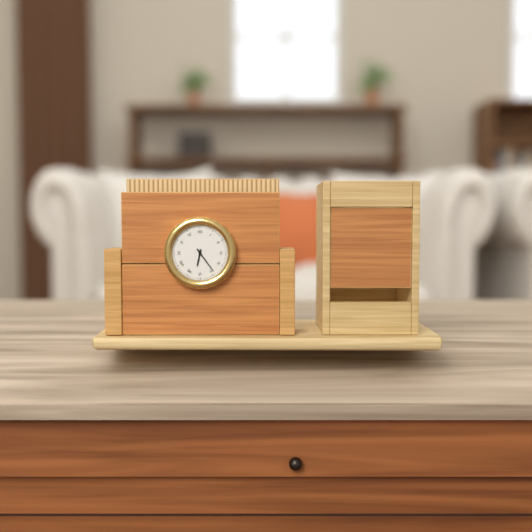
{"hour": 6, "minute": 24}
